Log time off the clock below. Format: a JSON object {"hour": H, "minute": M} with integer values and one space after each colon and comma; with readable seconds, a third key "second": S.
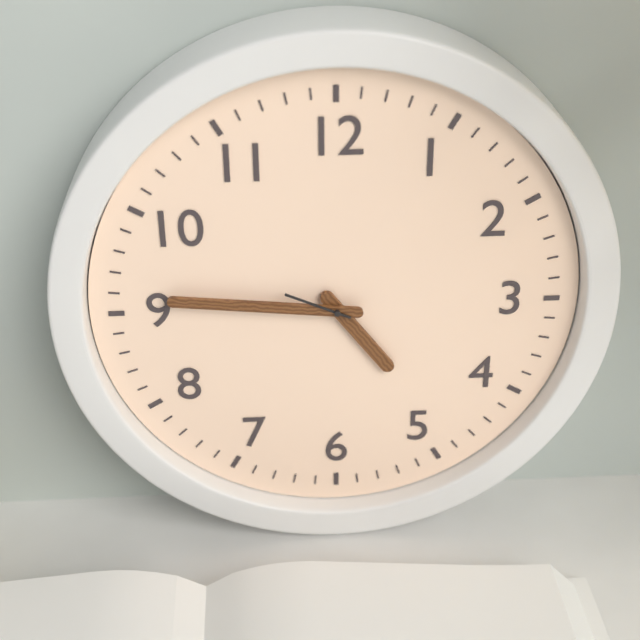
{"hour": 4, "minute": 46, "second": 49}
